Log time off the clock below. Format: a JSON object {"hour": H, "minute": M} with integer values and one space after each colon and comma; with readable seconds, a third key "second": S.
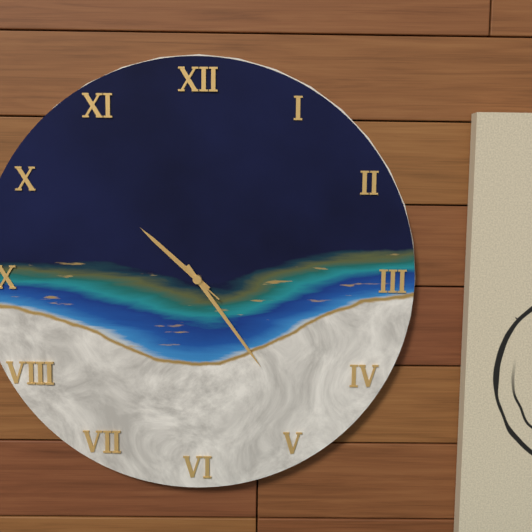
{"hour": 10, "minute": 24, "second": 52}
